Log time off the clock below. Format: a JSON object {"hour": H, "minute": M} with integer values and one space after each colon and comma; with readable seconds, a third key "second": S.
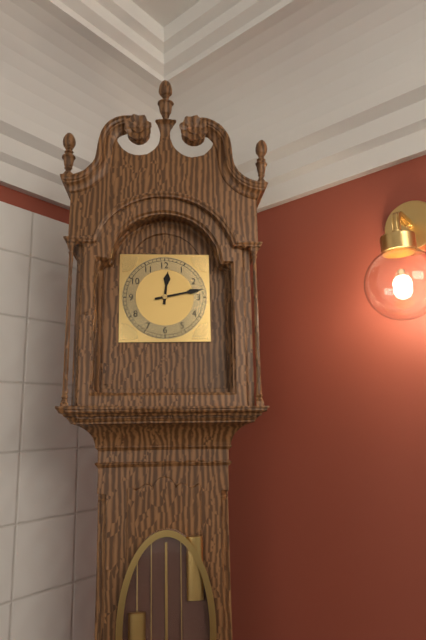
{"hour": 12, "minute": 13}
